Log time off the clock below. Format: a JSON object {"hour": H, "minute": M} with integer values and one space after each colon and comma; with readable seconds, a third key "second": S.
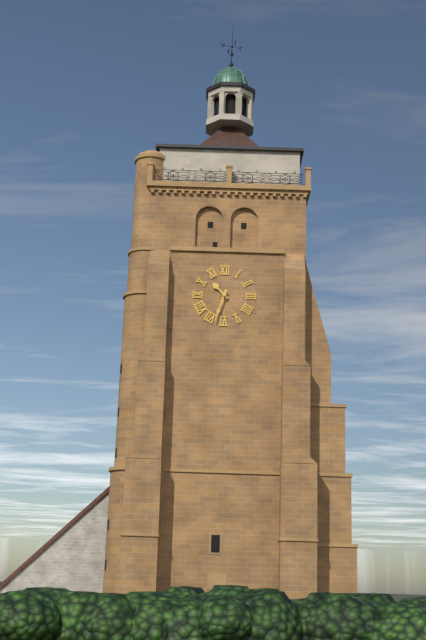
{"hour": 10, "minute": 33}
